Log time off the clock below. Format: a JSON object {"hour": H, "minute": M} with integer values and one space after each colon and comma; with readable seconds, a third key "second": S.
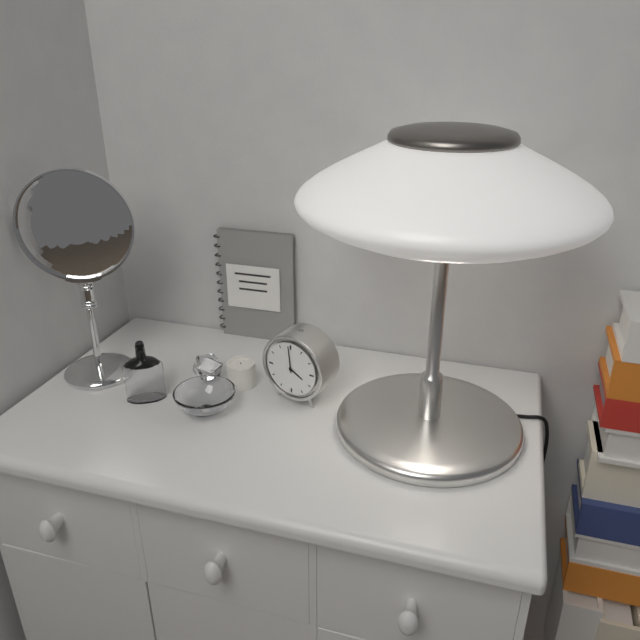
{"hour": 3, "minute": 59}
